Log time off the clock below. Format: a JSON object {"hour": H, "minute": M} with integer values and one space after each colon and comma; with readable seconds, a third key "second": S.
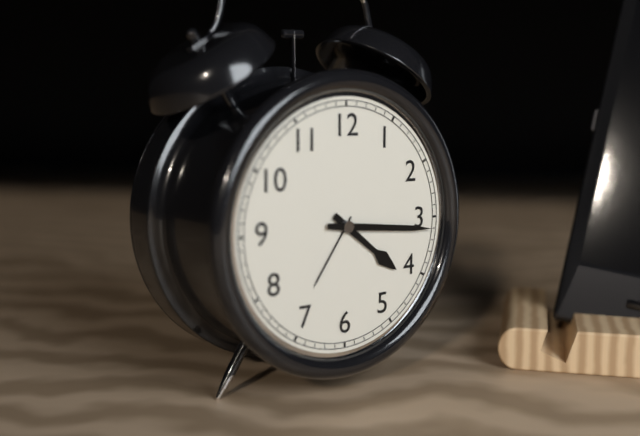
{"hour": 4, "minute": 16}
